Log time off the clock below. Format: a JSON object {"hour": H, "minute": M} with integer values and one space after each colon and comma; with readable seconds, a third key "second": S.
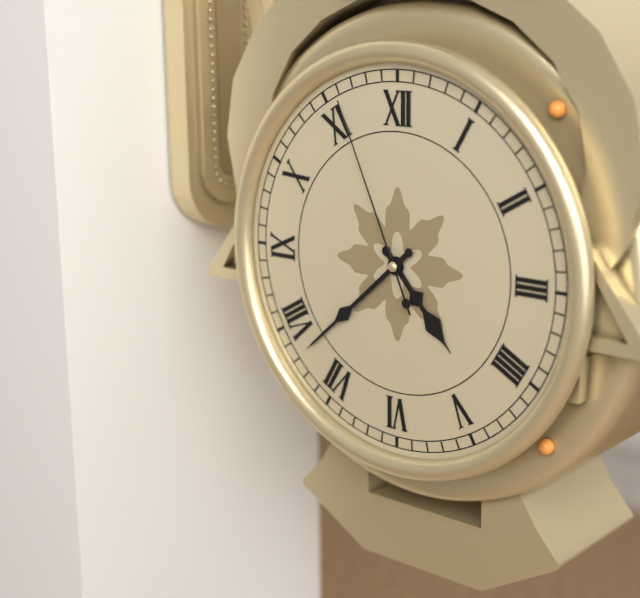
{"hour": 4, "minute": 38, "second": 56}
